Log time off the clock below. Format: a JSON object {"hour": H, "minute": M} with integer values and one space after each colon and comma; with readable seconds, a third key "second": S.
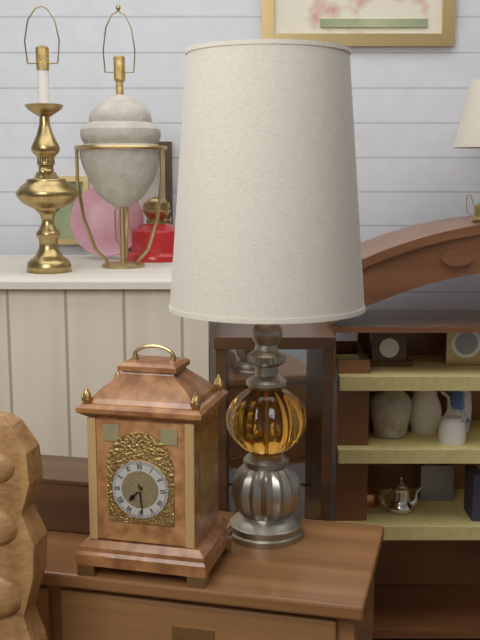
{"hour": 7, "minute": 29}
